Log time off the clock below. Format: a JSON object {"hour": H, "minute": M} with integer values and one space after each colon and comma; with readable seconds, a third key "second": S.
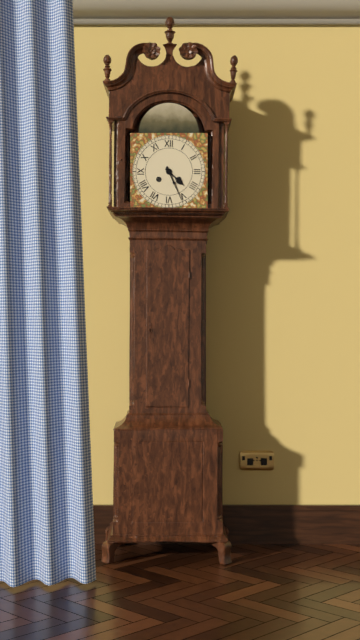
{"hour": 4, "minute": 26}
